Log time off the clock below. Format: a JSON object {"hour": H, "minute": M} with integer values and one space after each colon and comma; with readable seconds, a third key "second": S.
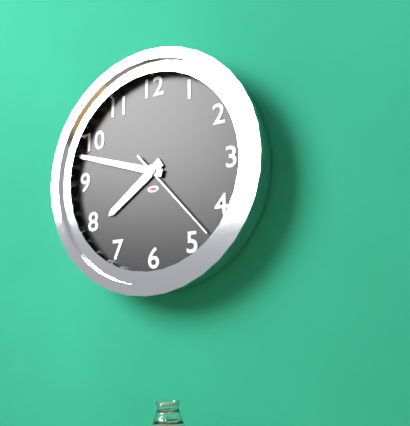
{"hour": 7, "minute": 48, "second": 23}
